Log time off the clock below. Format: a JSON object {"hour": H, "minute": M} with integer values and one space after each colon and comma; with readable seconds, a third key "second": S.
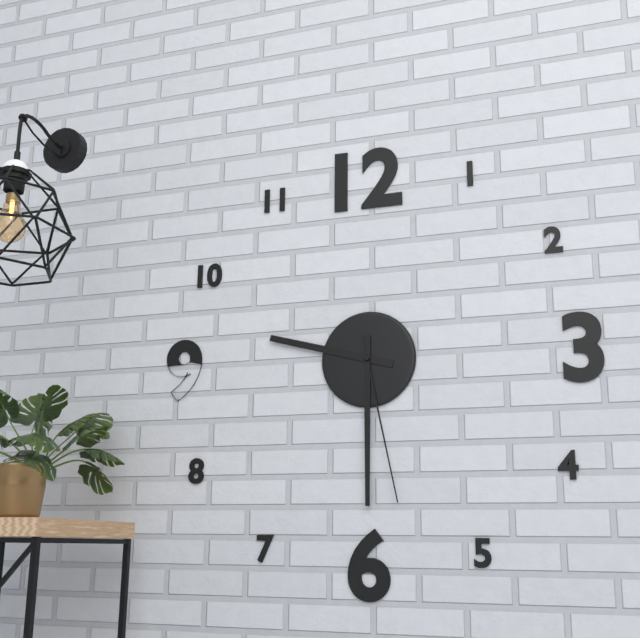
{"hour": 9, "minute": 30, "second": 28}
